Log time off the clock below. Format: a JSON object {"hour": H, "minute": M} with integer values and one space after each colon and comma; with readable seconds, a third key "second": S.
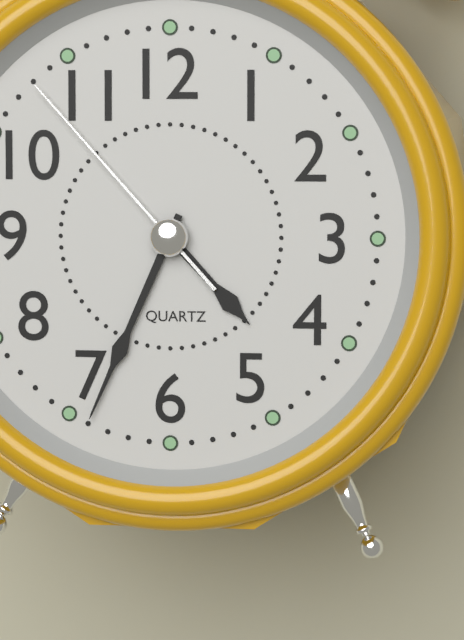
{"hour": 4, "minute": 34, "second": 53}
